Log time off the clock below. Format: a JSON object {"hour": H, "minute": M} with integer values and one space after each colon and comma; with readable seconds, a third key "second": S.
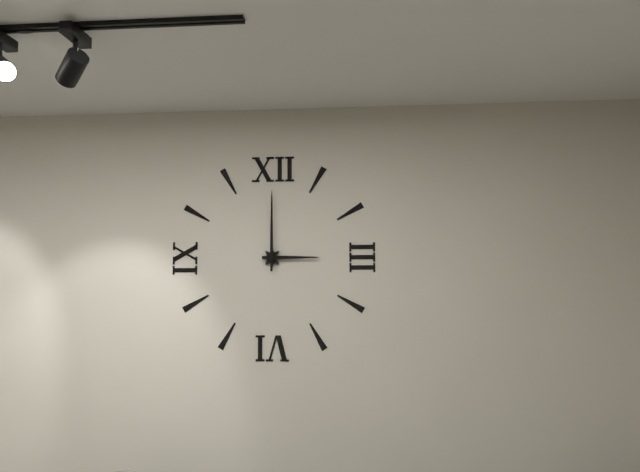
{"hour": 3, "minute": 0}
